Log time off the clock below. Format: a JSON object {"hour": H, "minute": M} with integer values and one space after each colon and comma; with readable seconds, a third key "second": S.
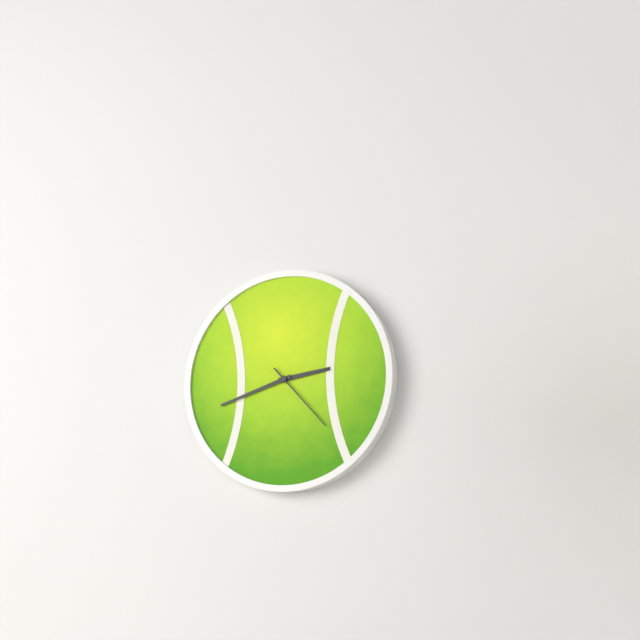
{"hour": 2, "minute": 42, "second": 23}
